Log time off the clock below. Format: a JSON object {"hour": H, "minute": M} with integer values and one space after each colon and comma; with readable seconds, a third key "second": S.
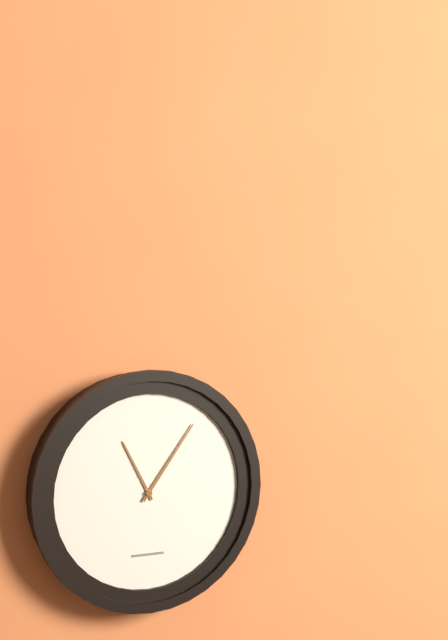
{"hour": 11, "minute": 6}
